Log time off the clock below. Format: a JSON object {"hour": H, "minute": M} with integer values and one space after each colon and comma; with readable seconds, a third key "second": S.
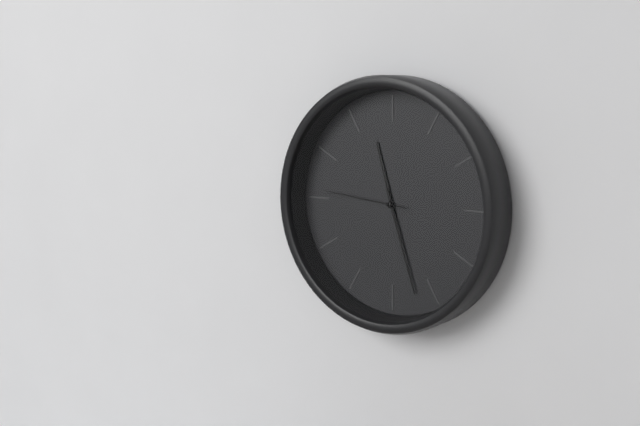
{"hour": 11, "minute": 27, "second": 46}
